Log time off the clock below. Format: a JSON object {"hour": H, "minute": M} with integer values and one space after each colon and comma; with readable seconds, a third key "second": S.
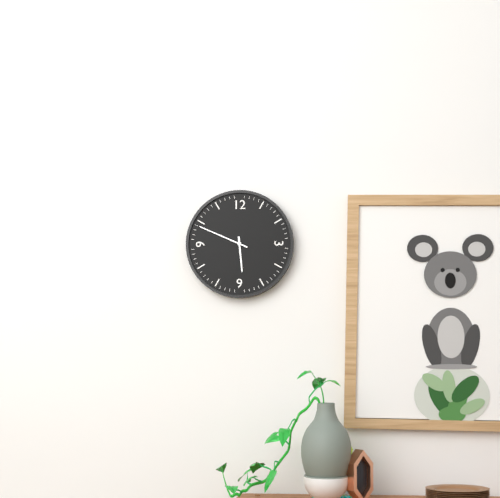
{"hour": 5, "minute": 49}
